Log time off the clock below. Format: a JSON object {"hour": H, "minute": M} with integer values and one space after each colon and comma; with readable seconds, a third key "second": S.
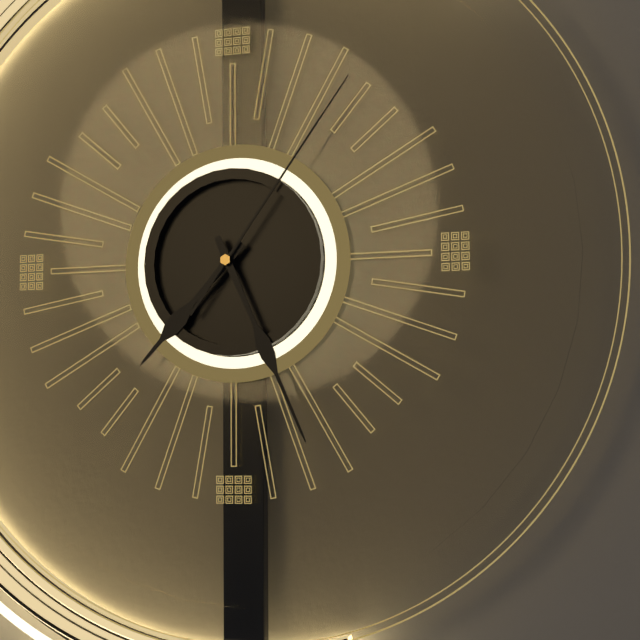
{"hour": 7, "minute": 26, "second": 6}
